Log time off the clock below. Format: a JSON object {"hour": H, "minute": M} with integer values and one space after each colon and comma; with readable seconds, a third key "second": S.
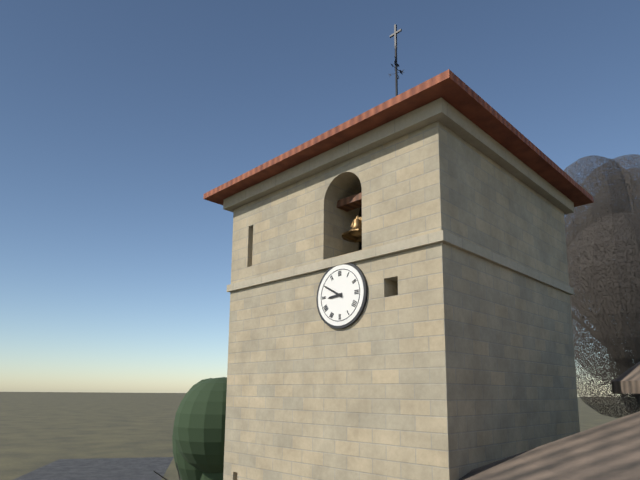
{"hour": 8, "minute": 50}
